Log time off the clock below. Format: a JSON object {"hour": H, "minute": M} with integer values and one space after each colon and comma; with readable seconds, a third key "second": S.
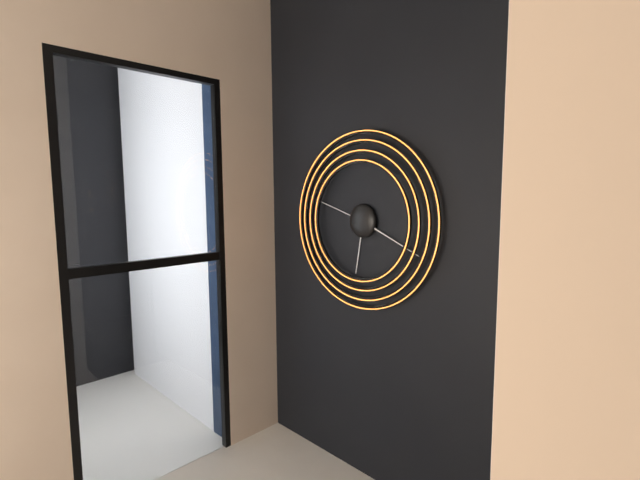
{"hour": 6, "minute": 19, "second": 48}
